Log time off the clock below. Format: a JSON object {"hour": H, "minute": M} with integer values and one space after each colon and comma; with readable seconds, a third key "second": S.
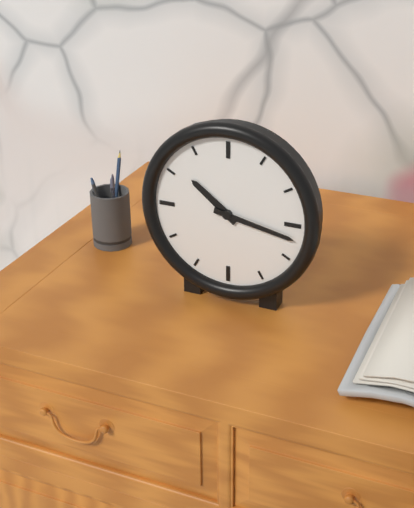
{"hour": 10, "minute": 17}
